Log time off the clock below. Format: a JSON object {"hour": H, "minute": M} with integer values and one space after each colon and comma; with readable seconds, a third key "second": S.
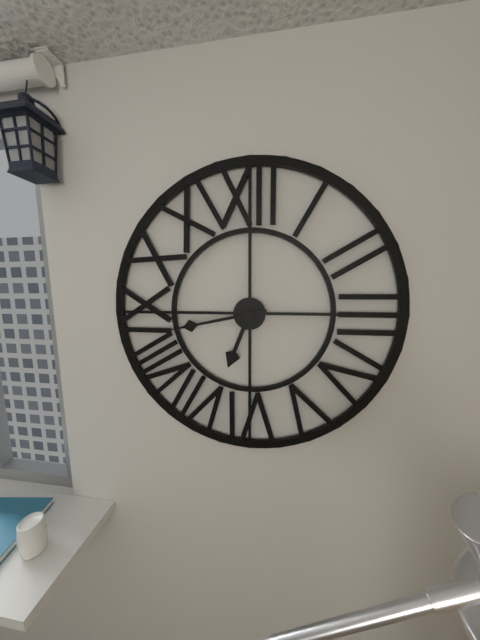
{"hour": 6, "minute": 43}
